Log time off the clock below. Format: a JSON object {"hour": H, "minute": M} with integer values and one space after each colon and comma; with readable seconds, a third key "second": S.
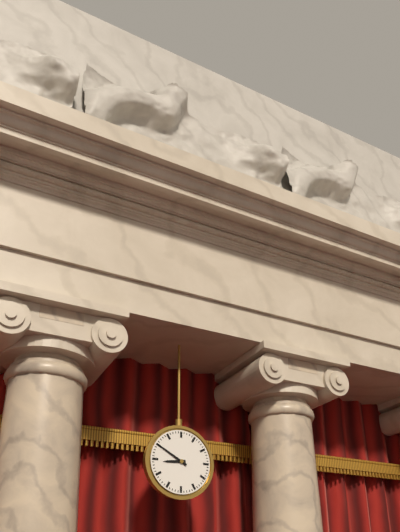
{"hour": 8, "minute": 50}
